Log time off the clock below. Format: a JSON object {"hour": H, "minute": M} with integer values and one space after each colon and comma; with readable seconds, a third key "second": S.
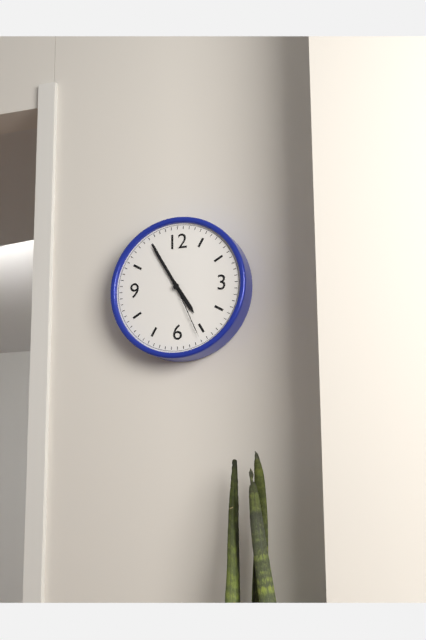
{"hour": 4, "minute": 55, "second": 26}
